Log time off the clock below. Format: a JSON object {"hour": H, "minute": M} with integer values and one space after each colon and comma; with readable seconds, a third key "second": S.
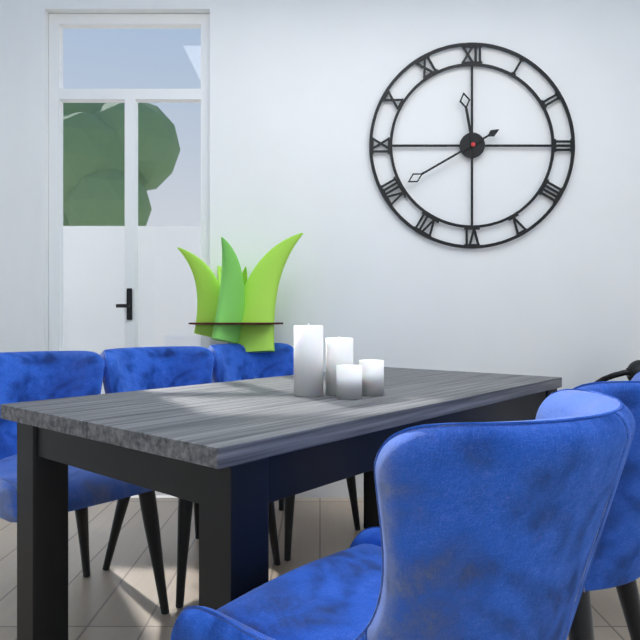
{"hour": 11, "minute": 40}
